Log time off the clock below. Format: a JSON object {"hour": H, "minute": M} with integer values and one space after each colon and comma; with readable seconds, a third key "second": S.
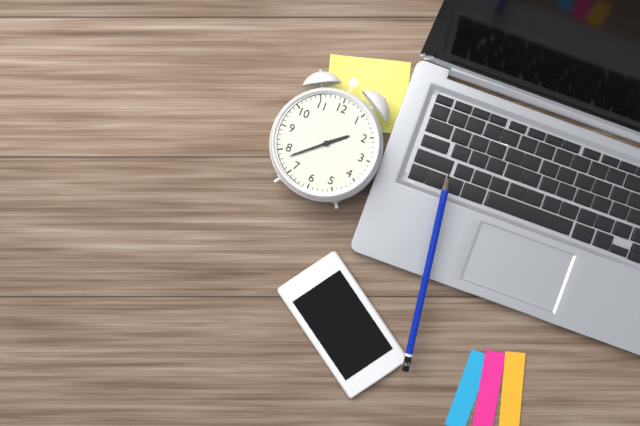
{"hour": 1, "minute": 38}
